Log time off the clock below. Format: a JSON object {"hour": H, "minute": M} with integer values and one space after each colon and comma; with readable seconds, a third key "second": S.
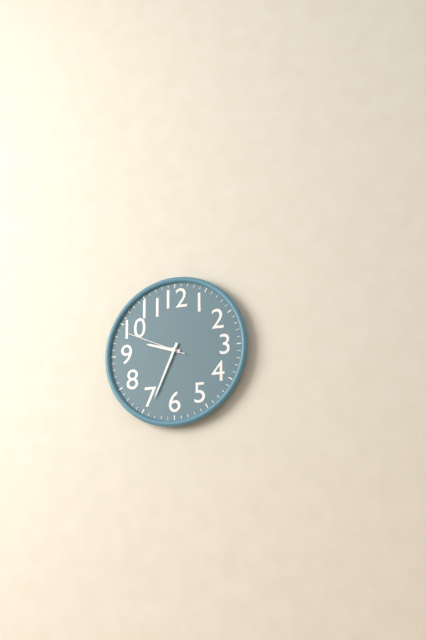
{"hour": 9, "minute": 34, "second": 49}
